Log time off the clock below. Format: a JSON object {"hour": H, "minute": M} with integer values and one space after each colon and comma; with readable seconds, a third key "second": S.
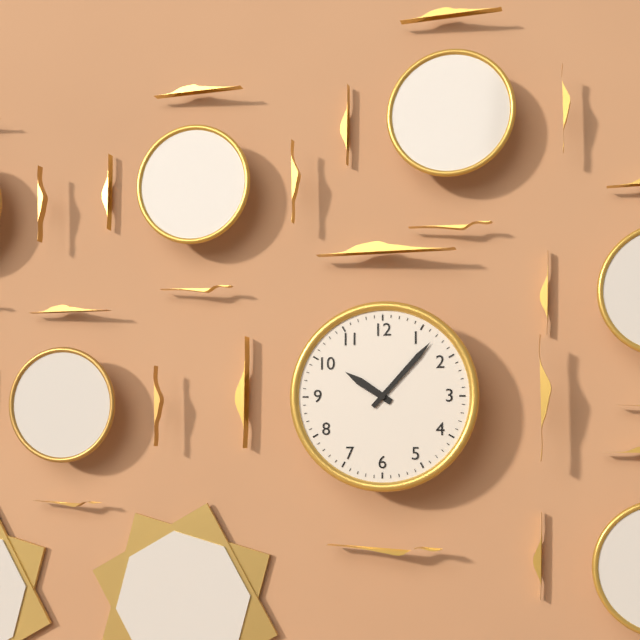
{"hour": 10, "minute": 7}
